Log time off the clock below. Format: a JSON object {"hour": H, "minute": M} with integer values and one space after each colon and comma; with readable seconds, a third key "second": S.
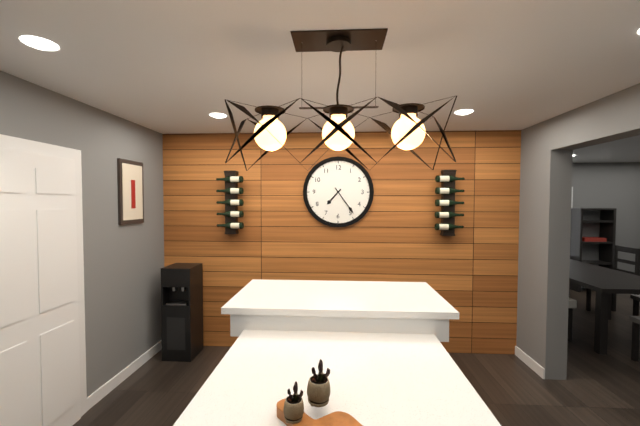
{"hour": 7, "minute": 24}
